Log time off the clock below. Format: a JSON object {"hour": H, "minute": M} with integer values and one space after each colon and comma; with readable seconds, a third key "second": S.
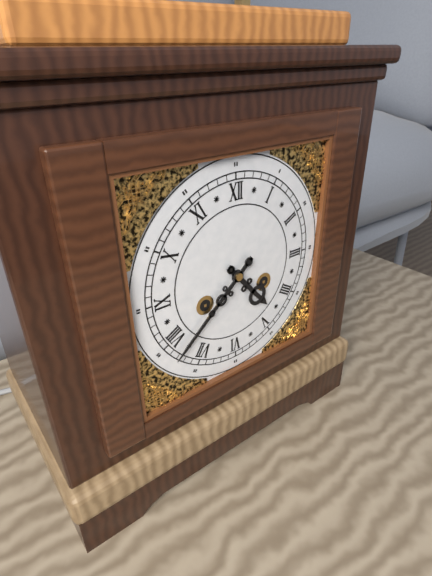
{"hour": 4, "minute": 38}
